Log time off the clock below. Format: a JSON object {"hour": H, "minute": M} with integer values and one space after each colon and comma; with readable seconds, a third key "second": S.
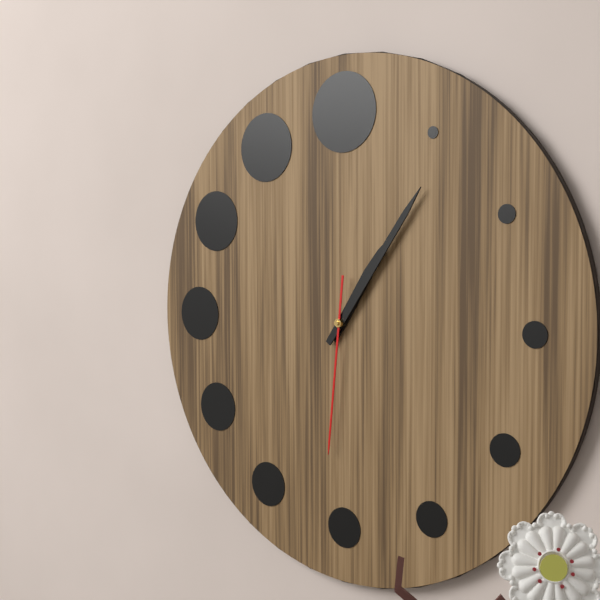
{"hour": 1, "minute": 6, "second": 31}
